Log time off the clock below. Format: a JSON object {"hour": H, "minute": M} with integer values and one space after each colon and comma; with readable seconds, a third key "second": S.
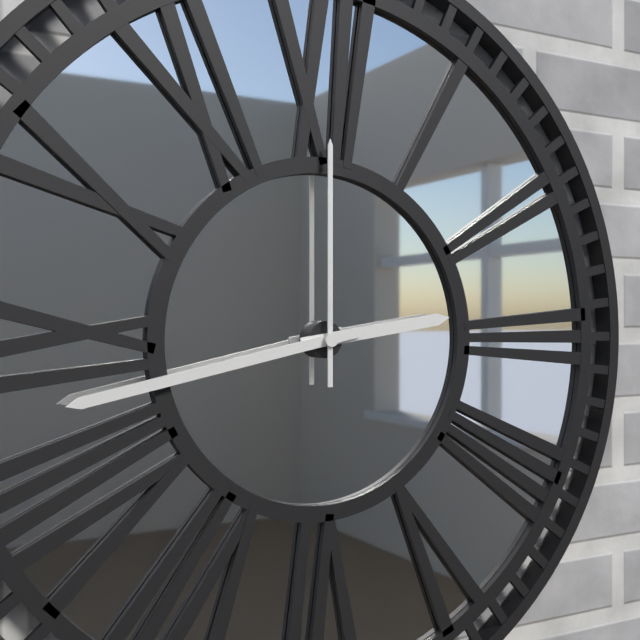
{"hour": 2, "minute": 43, "second": 0}
